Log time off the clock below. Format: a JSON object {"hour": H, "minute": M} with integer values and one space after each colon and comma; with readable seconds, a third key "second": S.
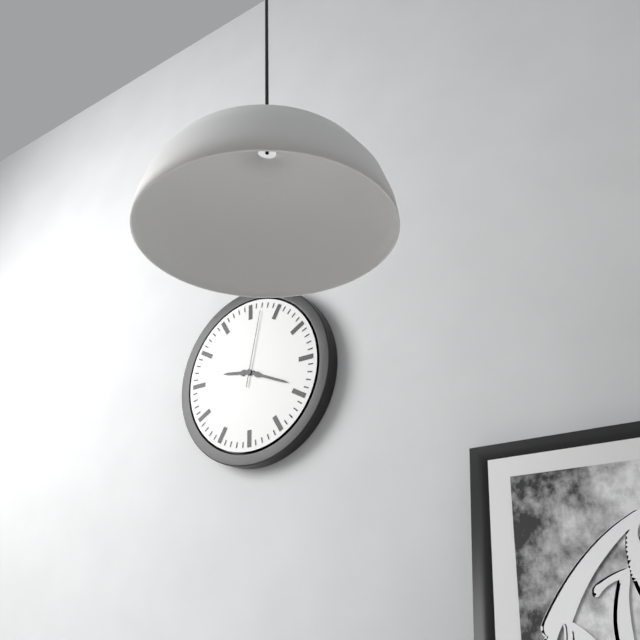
{"hour": 9, "minute": 19, "second": 2}
